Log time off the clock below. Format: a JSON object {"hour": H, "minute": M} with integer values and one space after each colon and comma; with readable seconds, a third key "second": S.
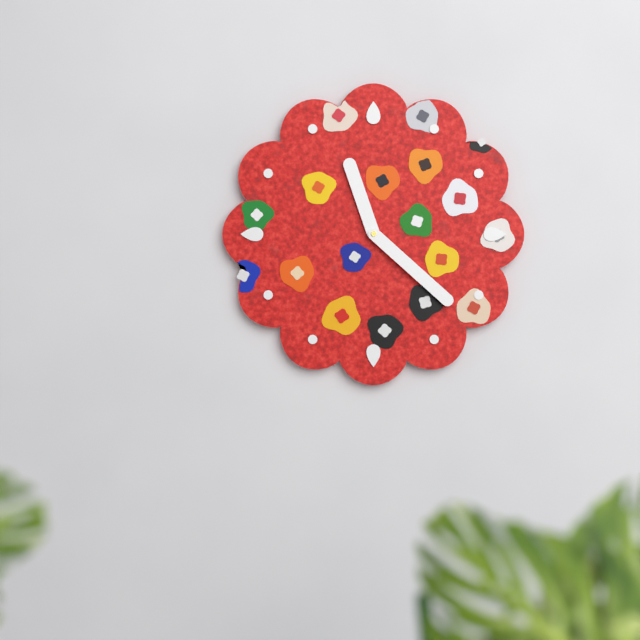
{"hour": 11, "minute": 22}
